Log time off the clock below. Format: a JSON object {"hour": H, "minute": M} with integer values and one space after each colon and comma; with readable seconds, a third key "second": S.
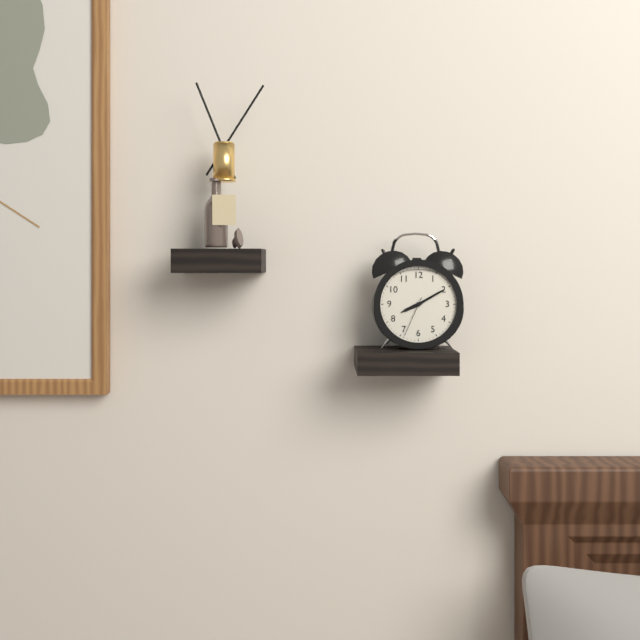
{"hour": 8, "minute": 10}
